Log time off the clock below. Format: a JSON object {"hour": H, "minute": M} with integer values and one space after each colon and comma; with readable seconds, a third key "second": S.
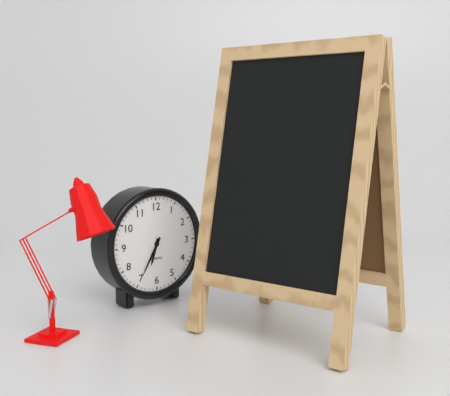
{"hour": 6, "minute": 35}
